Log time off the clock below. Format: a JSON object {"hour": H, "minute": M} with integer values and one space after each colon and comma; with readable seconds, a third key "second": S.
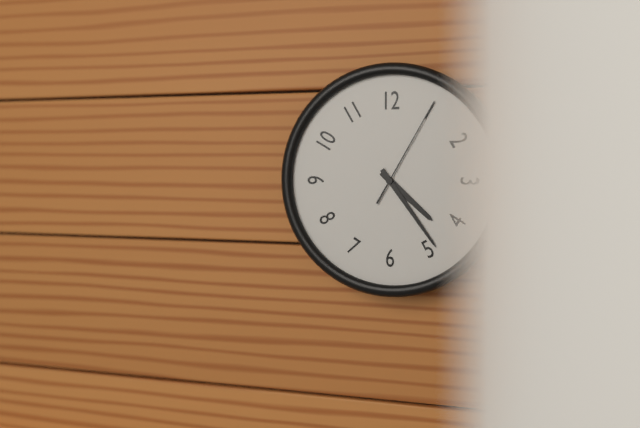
{"hour": 4, "minute": 24, "second": 5}
